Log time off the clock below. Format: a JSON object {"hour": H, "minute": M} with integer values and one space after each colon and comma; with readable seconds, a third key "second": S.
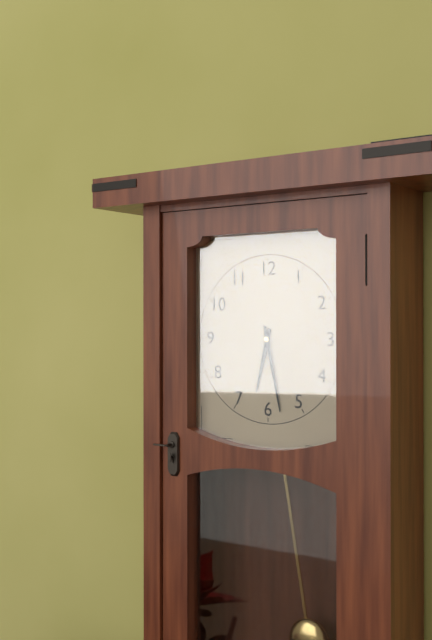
{"hour": 6, "minute": 28}
